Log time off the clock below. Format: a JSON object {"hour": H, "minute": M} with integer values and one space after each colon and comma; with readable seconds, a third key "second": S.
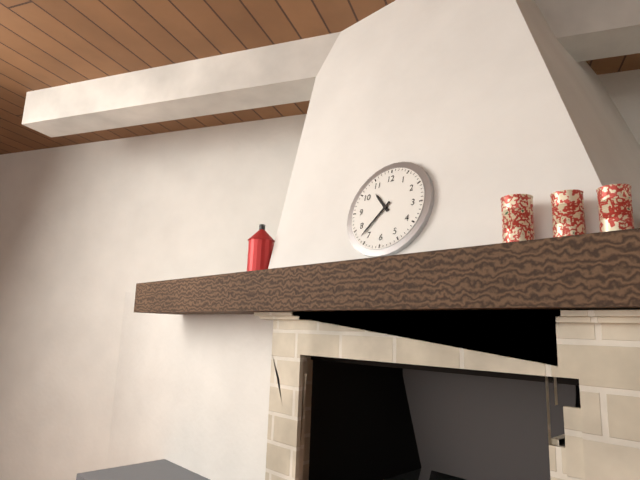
{"hour": 10, "minute": 37}
